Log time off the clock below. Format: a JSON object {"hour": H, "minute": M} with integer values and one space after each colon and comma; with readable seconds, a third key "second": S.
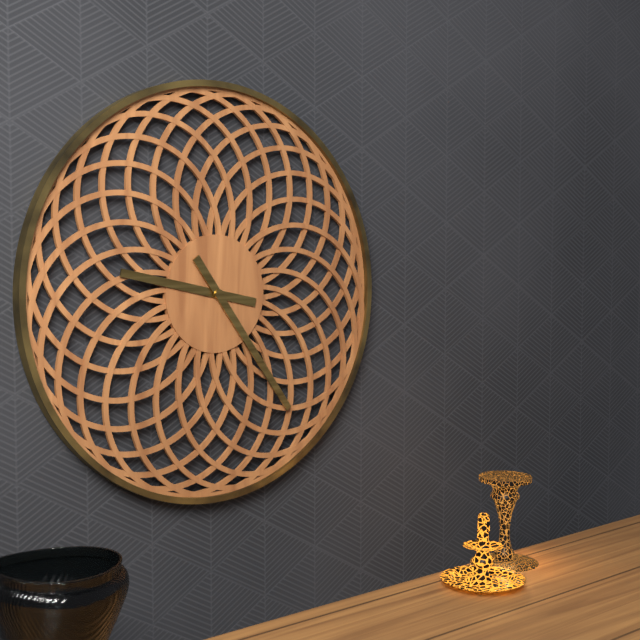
{"hour": 9, "minute": 24}
